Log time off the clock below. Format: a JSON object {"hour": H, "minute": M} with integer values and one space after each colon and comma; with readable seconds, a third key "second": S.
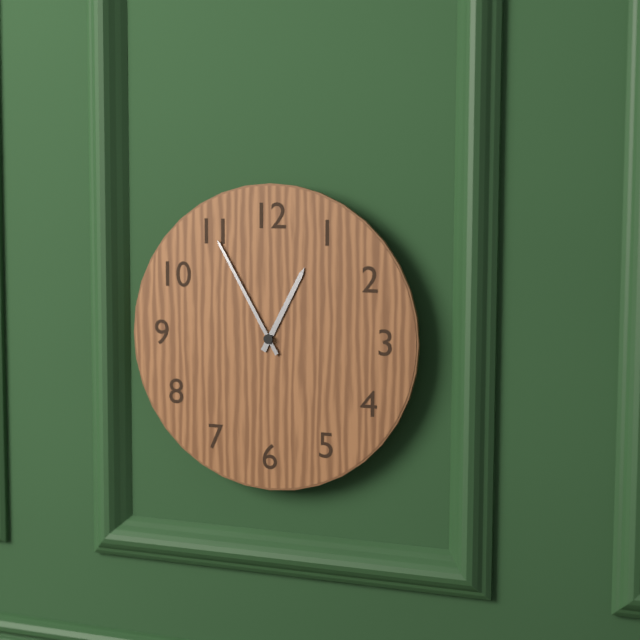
{"hour": 12, "minute": 55}
